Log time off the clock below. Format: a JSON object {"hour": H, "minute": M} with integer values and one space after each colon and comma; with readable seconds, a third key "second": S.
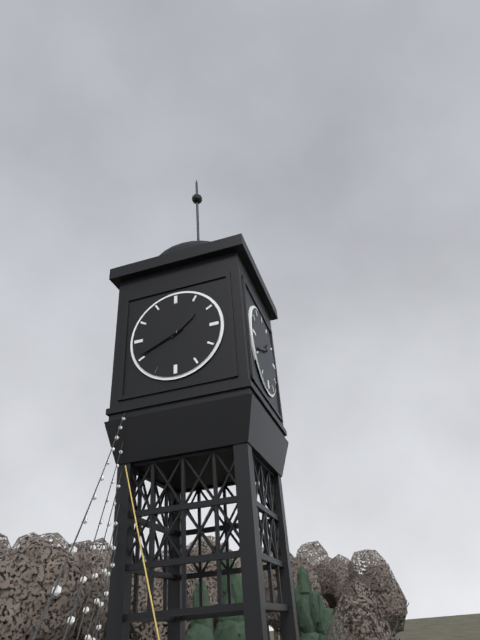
{"hour": 1, "minute": 41}
